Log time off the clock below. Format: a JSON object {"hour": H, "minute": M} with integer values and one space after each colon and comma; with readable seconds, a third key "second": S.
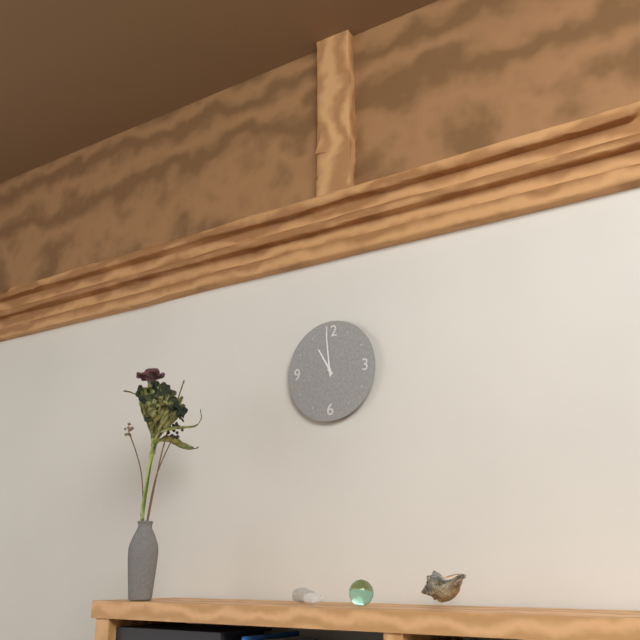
{"hour": 10, "minute": 59}
